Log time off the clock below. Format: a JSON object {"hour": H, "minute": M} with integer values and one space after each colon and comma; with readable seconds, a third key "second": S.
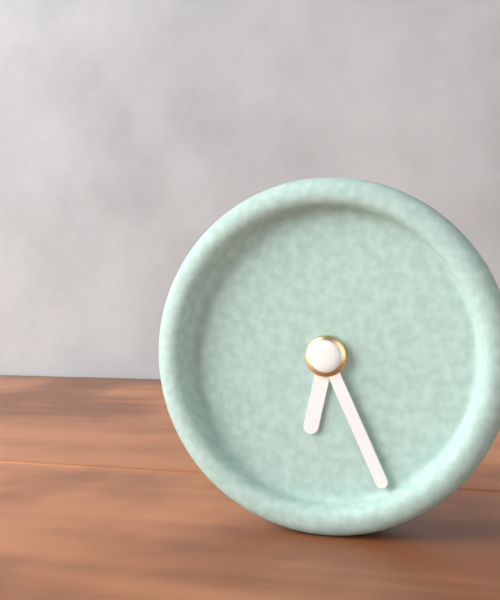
{"hour": 6, "minute": 26}
